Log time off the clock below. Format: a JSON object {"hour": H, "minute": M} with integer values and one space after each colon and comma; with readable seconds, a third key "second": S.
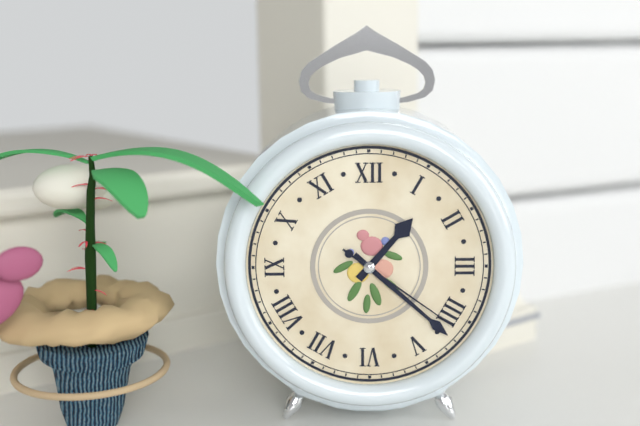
{"hour": 1, "minute": 22, "second": 21}
